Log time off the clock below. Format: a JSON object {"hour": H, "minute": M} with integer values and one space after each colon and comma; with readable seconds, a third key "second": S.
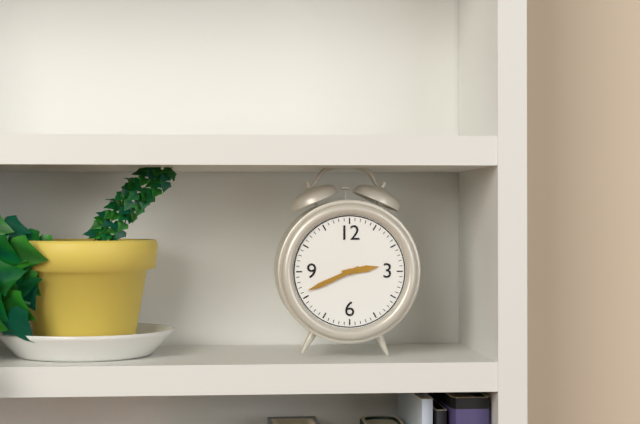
{"hour": 2, "minute": 41}
